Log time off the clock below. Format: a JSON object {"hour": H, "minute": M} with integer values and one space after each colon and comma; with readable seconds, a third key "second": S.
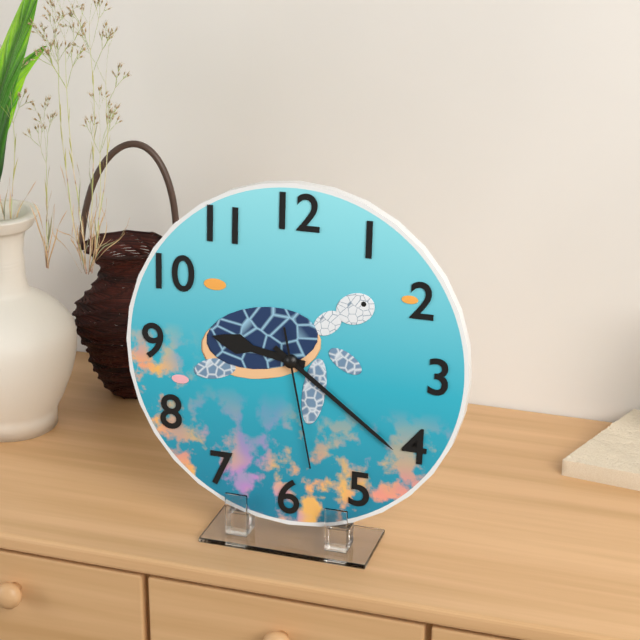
{"hour": 9, "minute": 21, "second": 28}
